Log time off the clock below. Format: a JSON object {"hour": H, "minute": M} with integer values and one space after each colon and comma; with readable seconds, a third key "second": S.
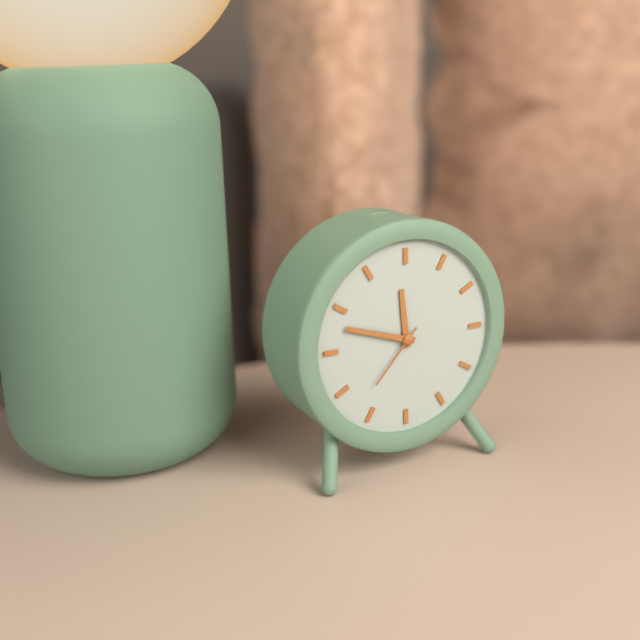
{"hour": 11, "minute": 48, "second": 37}
